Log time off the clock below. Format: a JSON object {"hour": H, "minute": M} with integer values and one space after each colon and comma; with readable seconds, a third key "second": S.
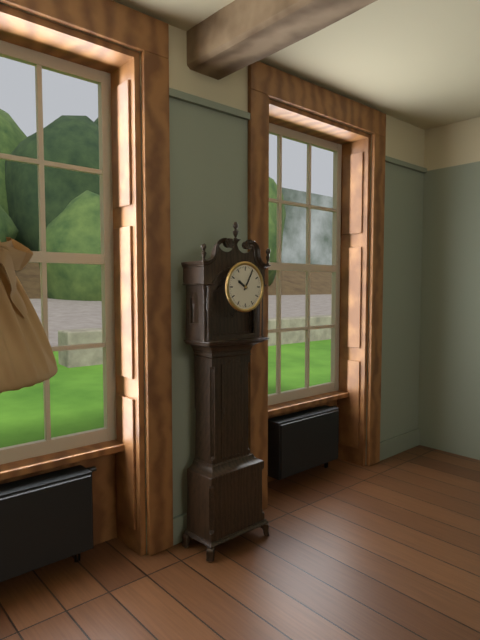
{"hour": 10, "minute": 5}
